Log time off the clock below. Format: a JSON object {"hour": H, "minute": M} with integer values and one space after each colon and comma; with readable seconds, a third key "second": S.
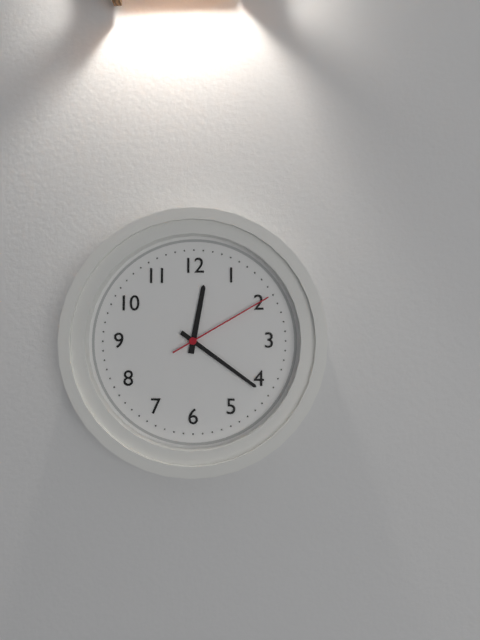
{"hour": 12, "minute": 21, "second": 10}
